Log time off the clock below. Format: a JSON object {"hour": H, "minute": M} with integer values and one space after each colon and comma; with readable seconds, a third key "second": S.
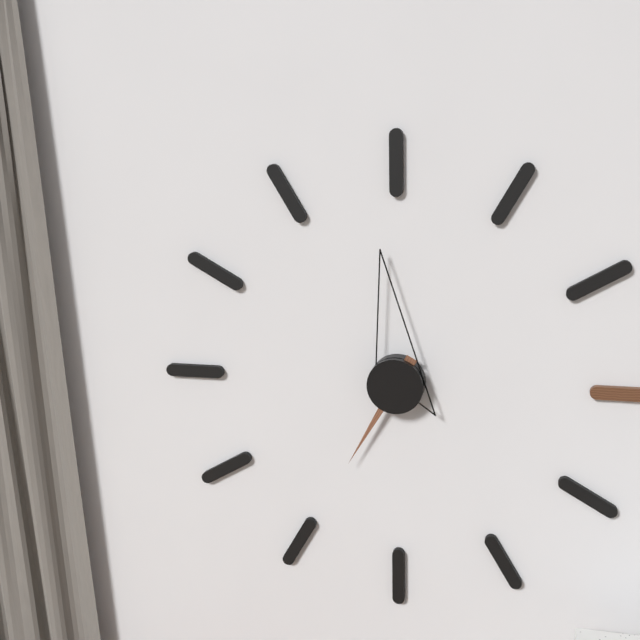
{"hour": 6, "minute": 59}
